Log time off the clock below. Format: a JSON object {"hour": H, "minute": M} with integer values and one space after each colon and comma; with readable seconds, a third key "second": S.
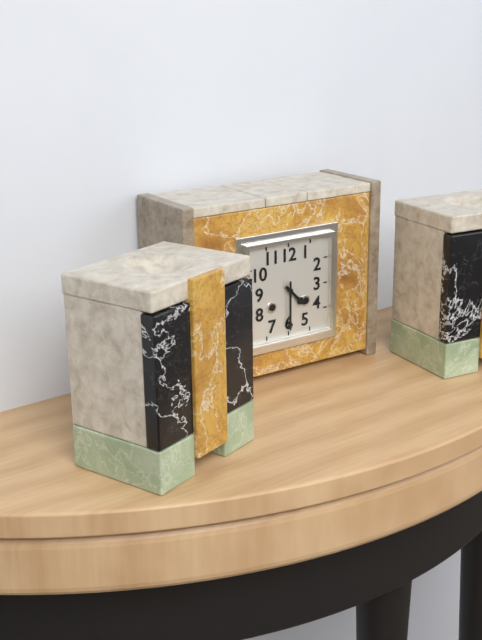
{"hour": 4, "minute": 30}
